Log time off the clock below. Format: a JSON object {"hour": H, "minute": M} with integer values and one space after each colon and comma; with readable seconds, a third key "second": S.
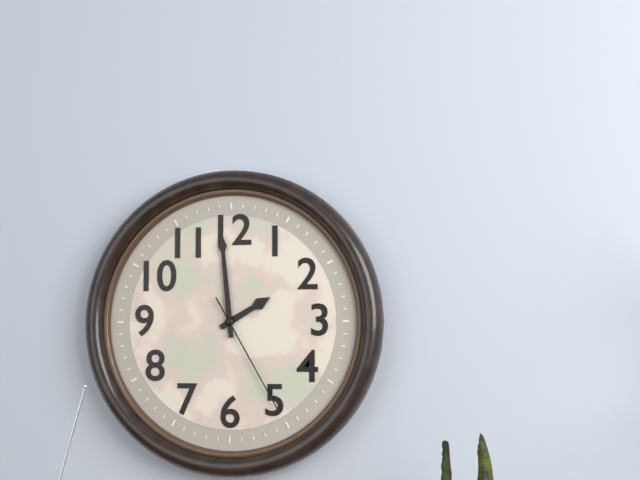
{"hour": 1, "minute": 59, "second": 25}
